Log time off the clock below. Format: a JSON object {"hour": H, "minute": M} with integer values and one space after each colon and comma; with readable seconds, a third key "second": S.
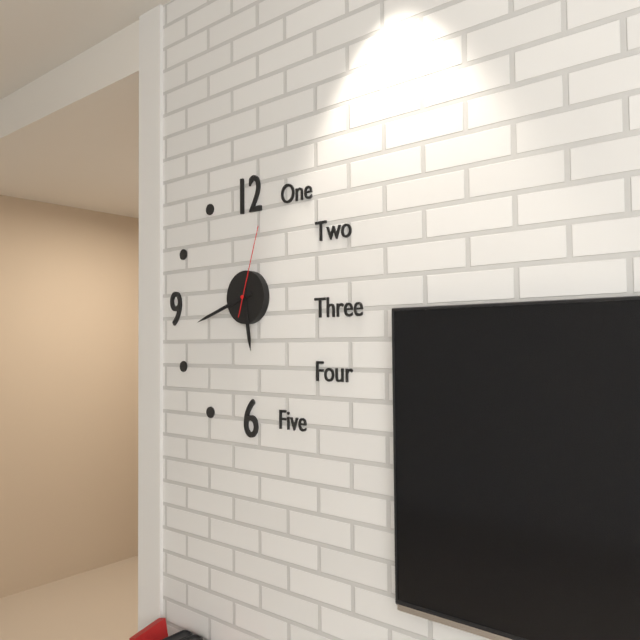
{"hour": 5, "minute": 42, "second": 3}
